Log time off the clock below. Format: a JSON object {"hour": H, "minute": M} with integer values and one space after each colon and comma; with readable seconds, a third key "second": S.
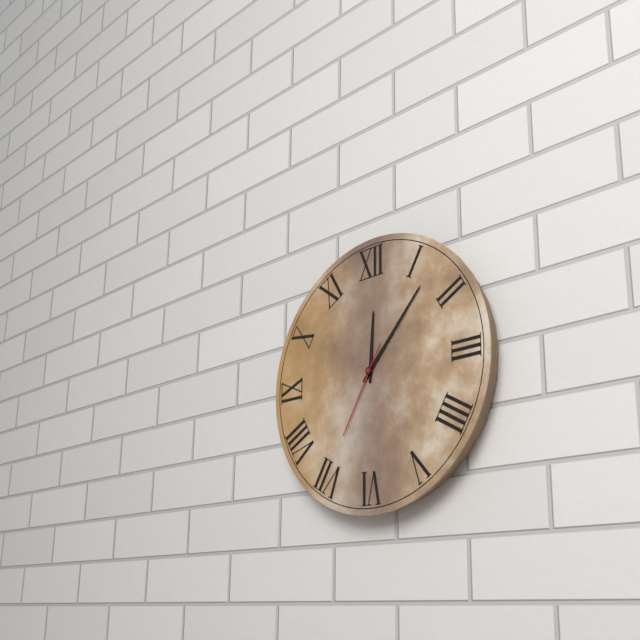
{"hour": 12, "minute": 7, "second": 35}
